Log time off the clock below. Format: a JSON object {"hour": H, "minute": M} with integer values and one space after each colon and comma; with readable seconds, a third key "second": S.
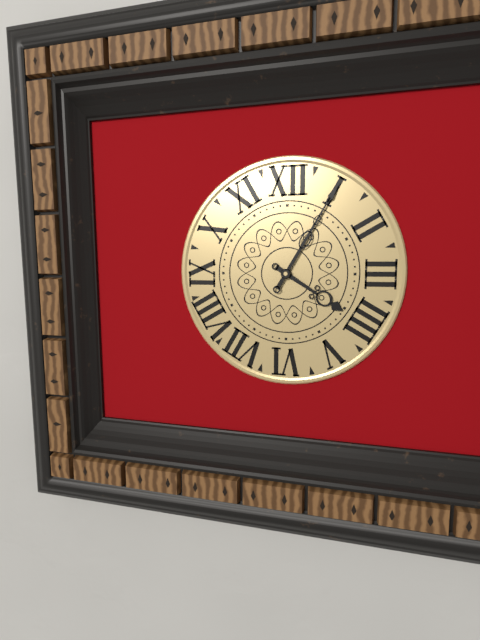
{"hour": 4, "minute": 5}
